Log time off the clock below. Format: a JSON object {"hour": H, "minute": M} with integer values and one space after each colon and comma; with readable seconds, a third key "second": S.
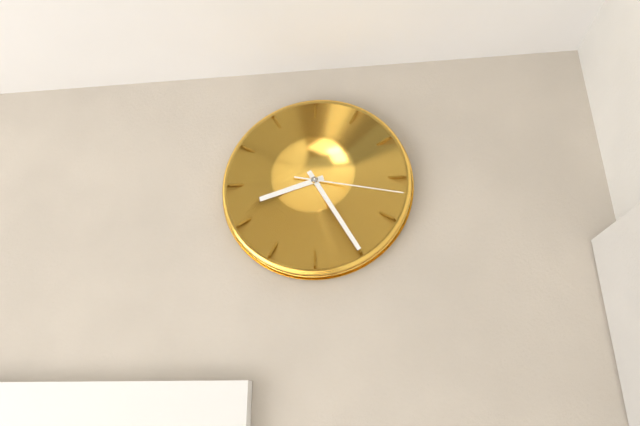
{"hour": 8, "minute": 25, "second": 17}
